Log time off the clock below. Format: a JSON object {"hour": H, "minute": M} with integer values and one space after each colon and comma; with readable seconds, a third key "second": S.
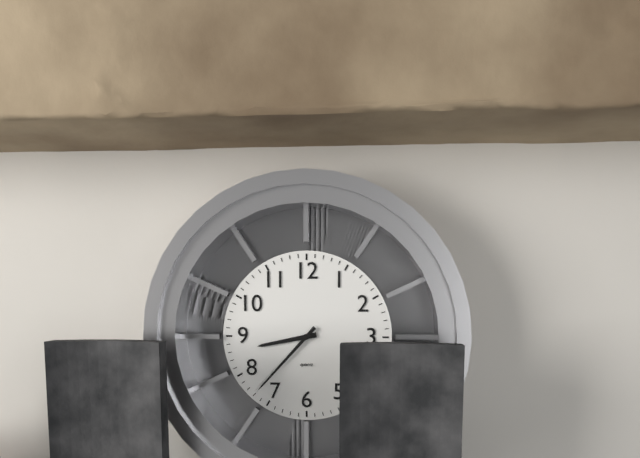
{"hour": 8, "minute": 37}
